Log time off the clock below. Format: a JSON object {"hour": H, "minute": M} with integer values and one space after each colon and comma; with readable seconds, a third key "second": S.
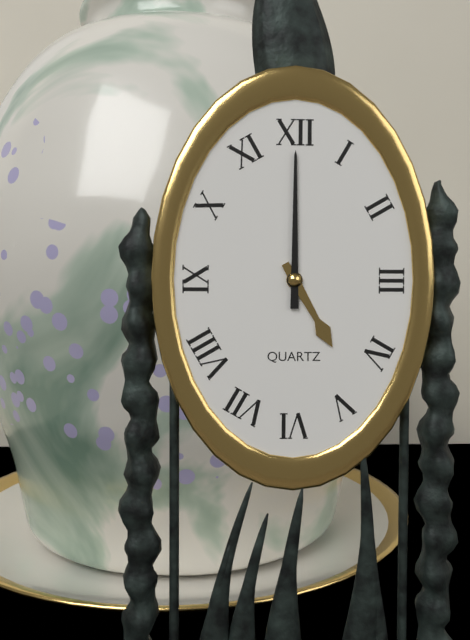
{"hour": 5, "minute": 0}
